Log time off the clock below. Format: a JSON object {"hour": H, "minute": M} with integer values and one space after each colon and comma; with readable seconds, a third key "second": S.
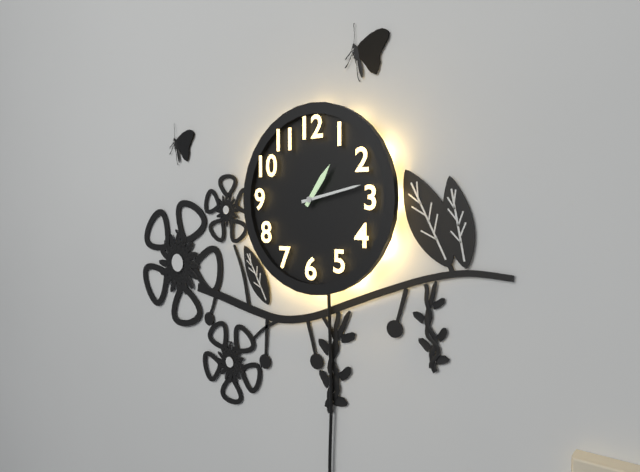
{"hour": 1, "minute": 13}
